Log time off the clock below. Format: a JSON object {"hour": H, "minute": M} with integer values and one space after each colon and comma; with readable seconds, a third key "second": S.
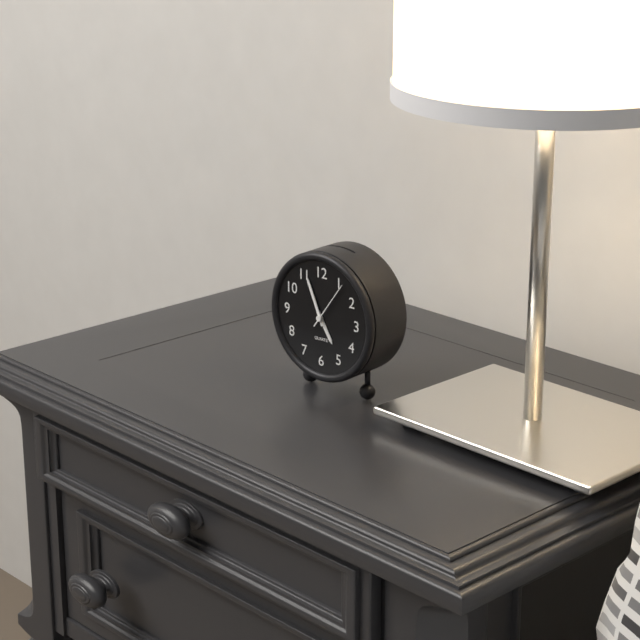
{"hour": 4, "minute": 56, "second": 6}
